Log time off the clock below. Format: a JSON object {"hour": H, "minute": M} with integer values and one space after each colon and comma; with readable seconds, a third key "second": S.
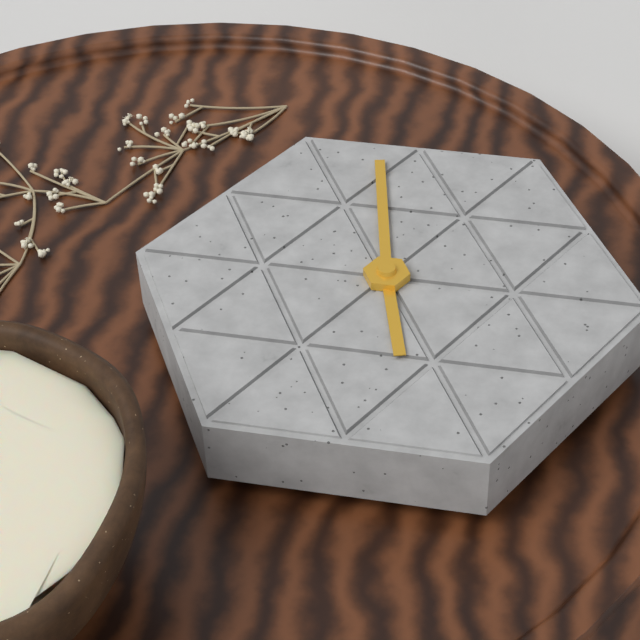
{"hour": 11, "minute": 28}
